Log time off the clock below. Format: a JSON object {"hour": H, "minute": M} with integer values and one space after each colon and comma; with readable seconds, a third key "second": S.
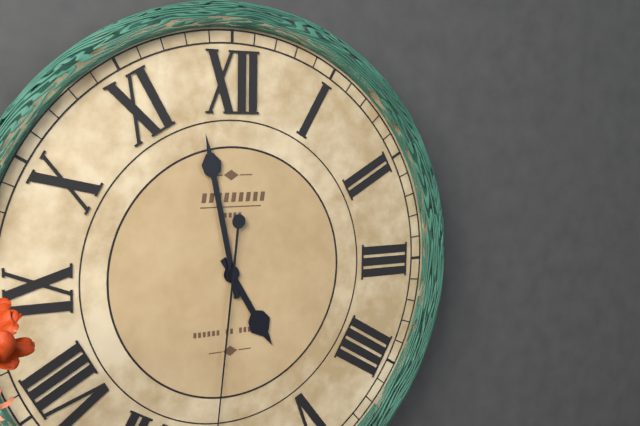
{"hour": 4, "minute": 58}
